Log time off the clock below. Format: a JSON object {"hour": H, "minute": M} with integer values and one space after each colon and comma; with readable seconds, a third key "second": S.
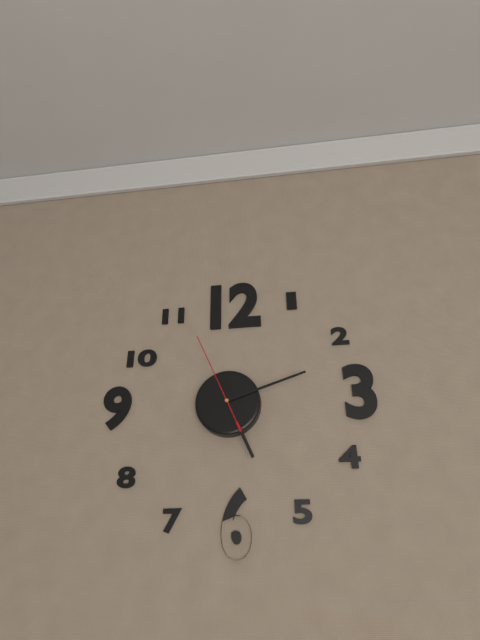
{"hour": 5, "minute": 12, "second": 56}
